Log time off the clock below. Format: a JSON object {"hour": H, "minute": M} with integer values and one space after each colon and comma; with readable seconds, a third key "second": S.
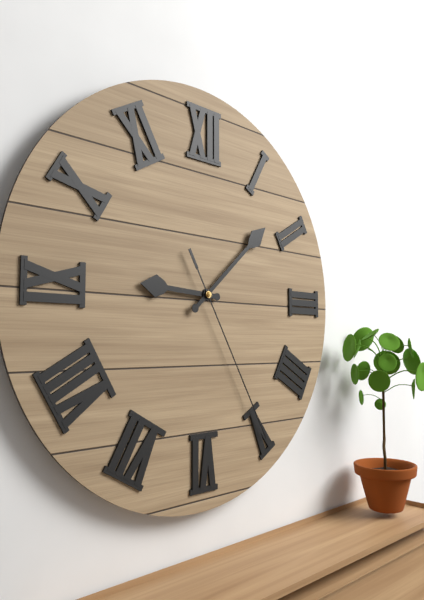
{"hour": 9, "minute": 8, "second": 25}
